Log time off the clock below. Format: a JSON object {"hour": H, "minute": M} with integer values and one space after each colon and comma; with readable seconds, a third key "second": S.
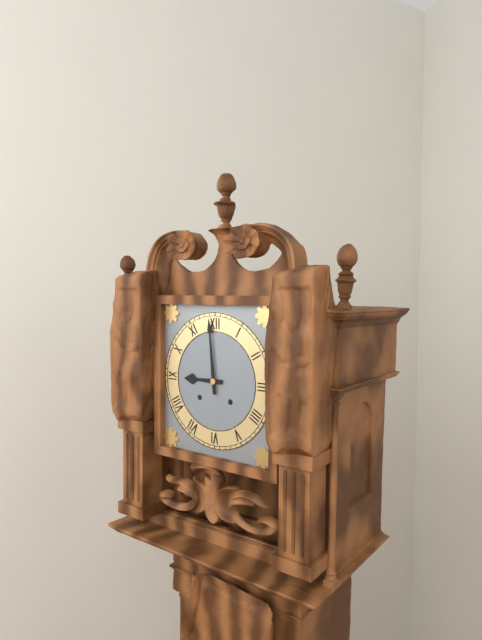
{"hour": 8, "minute": 59}
